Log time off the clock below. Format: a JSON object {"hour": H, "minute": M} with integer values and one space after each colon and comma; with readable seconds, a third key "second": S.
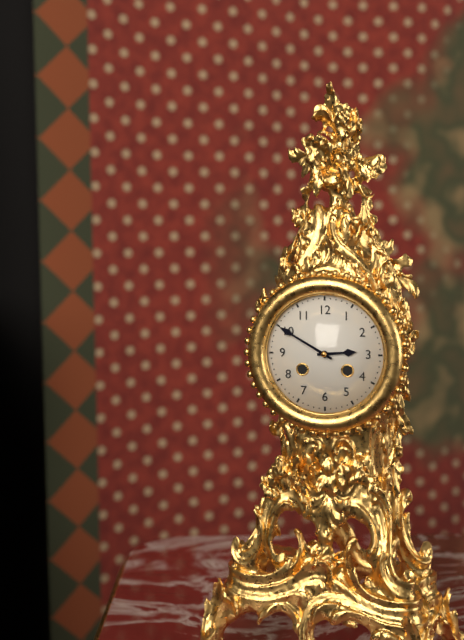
{"hour": 2, "minute": 50}
